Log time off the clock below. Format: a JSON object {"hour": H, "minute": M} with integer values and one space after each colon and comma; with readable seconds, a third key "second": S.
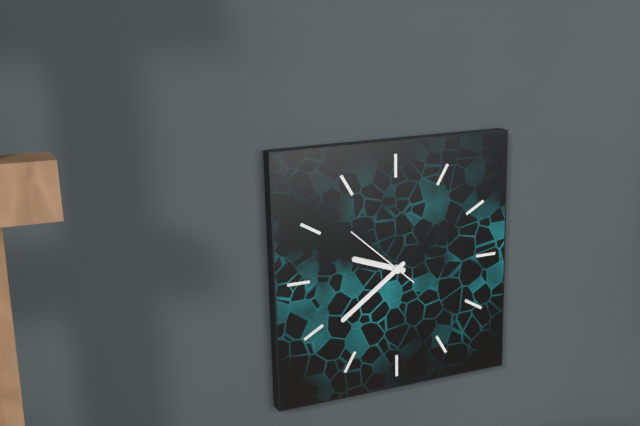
{"hour": 9, "minute": 39, "second": 52}
